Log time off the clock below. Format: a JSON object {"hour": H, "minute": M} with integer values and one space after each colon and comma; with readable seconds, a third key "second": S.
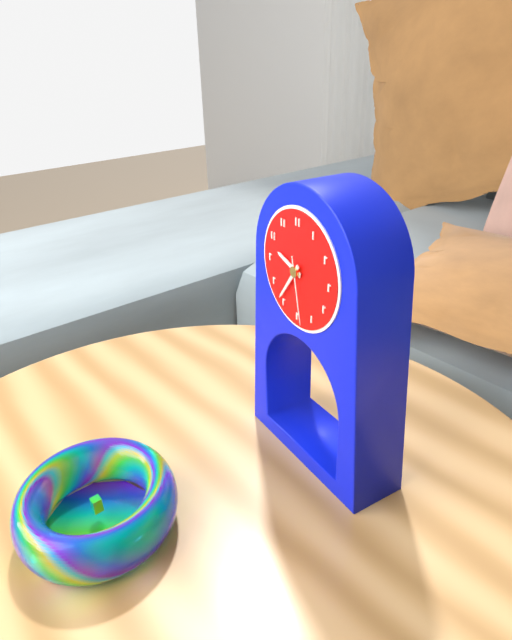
{"hour": 9, "minute": 36, "second": 28}
